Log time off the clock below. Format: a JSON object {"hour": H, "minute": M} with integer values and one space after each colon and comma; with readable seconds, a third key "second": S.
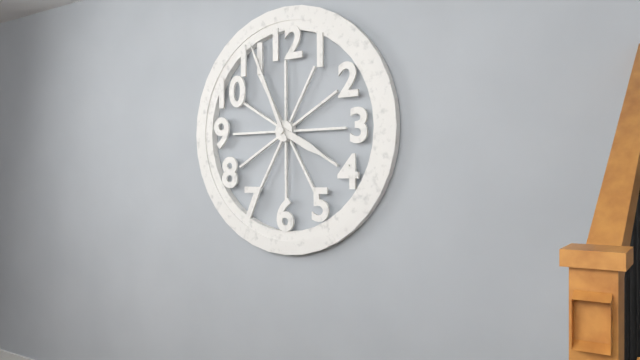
{"hour": 3, "minute": 56}
